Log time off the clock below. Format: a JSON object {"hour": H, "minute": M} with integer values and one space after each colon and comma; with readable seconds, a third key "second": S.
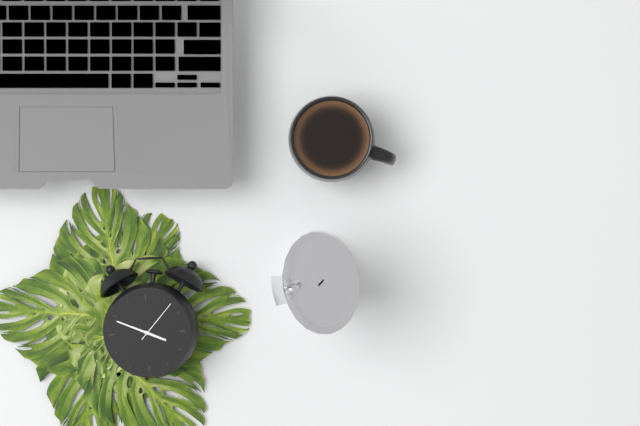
{"hour": 3, "minute": 49}
